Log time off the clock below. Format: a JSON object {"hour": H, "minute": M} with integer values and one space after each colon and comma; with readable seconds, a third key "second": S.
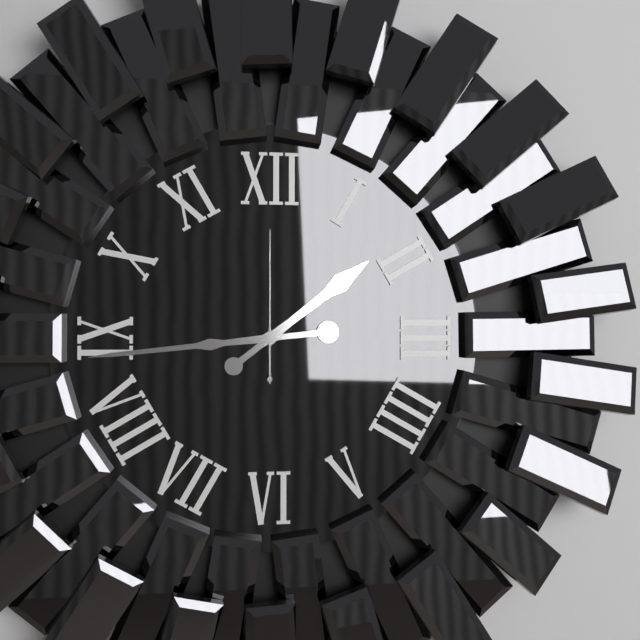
{"hour": 1, "minute": 44, "second": 0}
